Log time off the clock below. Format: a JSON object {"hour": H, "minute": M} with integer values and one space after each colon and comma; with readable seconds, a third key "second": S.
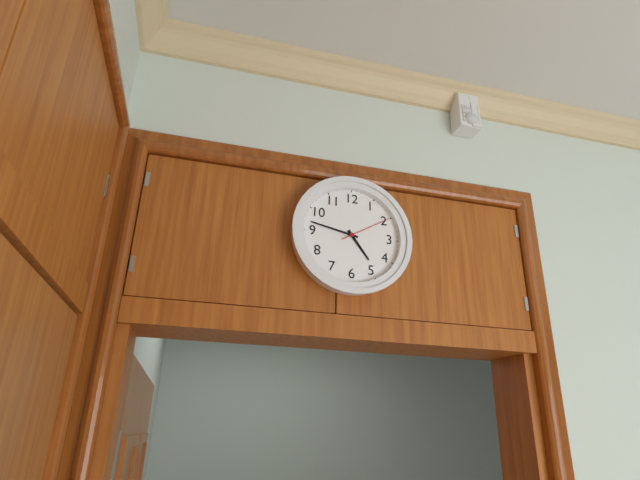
{"hour": 4, "minute": 47, "second": 10}
